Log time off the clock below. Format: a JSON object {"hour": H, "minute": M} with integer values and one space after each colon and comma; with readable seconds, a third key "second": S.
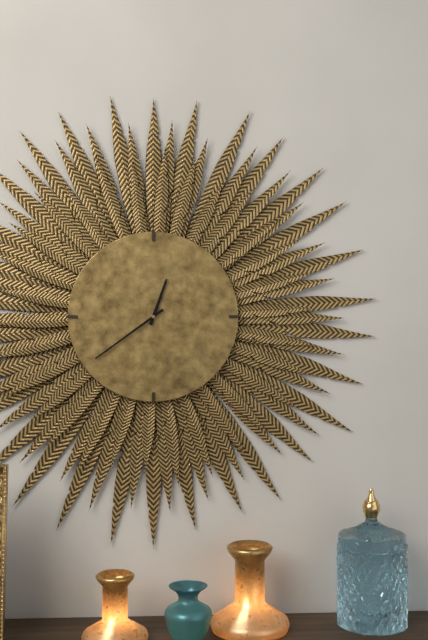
{"hour": 12, "minute": 39}
